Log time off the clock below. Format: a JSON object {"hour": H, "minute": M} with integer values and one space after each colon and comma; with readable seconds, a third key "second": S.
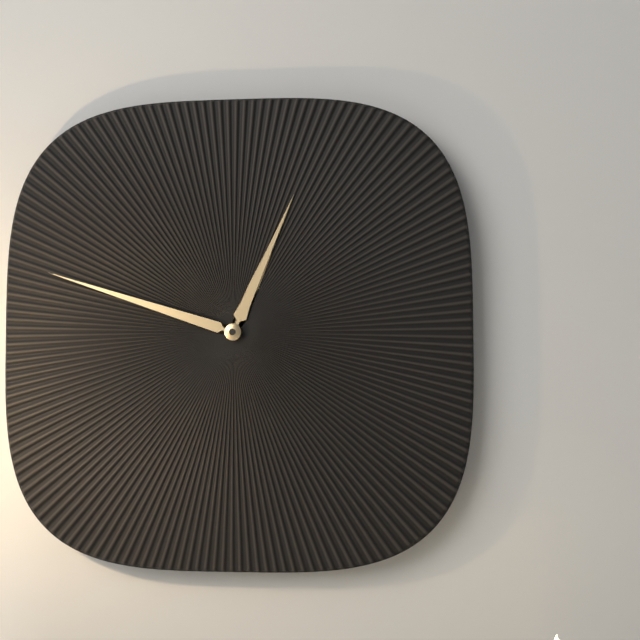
{"hour": 12, "minute": 48}
